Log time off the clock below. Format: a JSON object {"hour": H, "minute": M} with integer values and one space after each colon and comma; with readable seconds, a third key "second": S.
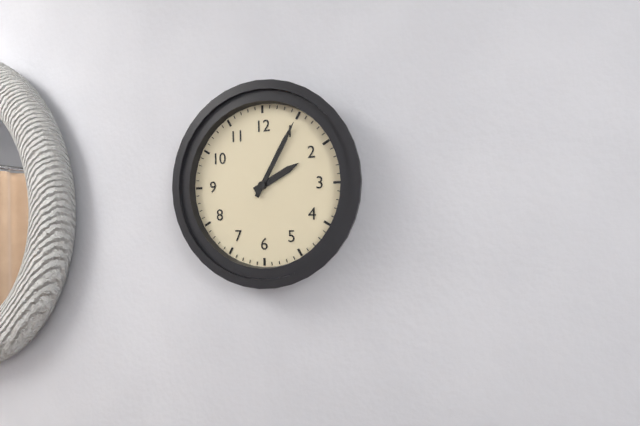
{"hour": 2, "minute": 5}
